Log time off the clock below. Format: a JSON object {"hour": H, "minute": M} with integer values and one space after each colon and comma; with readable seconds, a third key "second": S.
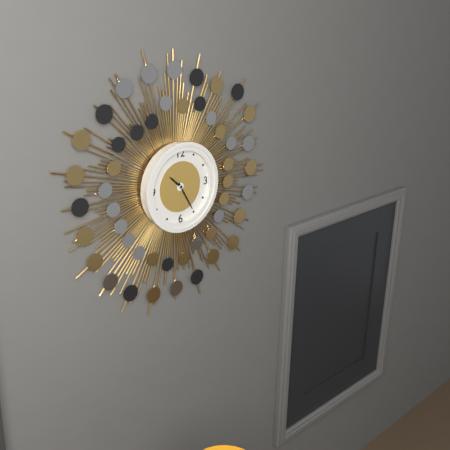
{"hour": 10, "minute": 25}
